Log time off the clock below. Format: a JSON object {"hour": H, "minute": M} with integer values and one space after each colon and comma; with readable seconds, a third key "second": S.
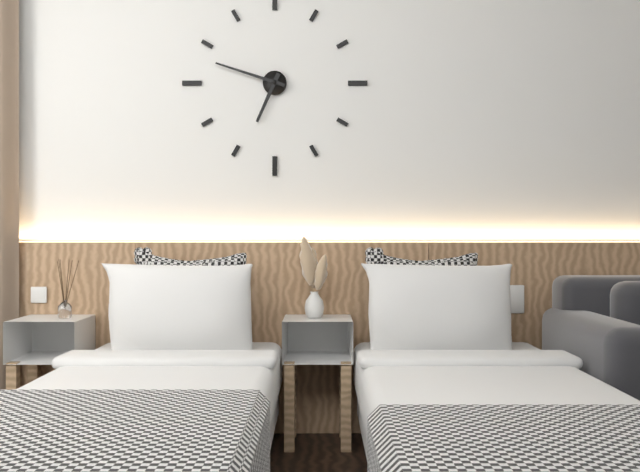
{"hour": 6, "minute": 48}
